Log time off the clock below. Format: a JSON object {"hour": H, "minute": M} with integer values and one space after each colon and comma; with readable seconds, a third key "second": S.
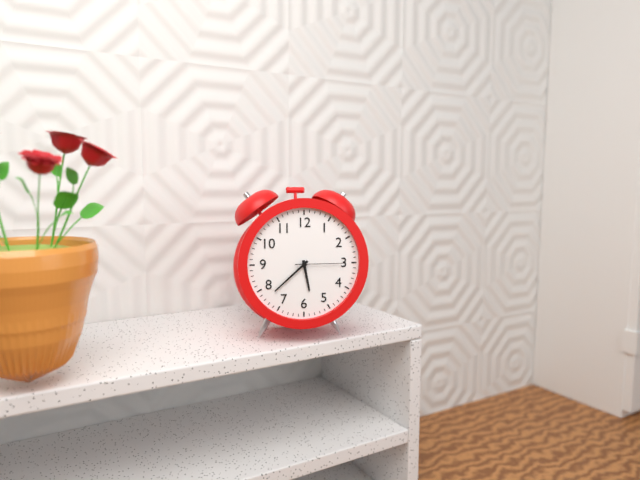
{"hour": 5, "minute": 38, "second": 15}
